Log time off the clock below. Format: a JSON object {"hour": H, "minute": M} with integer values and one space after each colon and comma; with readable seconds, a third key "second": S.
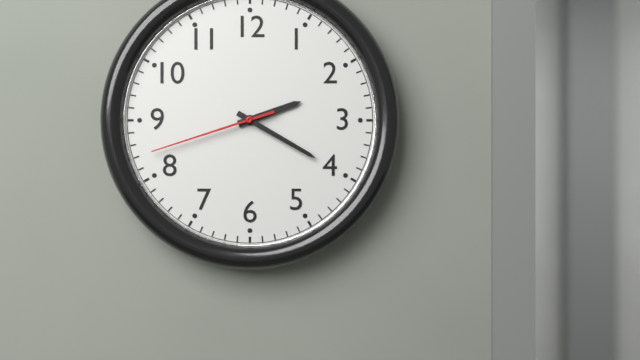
{"hour": 2, "minute": 20, "second": 42}
